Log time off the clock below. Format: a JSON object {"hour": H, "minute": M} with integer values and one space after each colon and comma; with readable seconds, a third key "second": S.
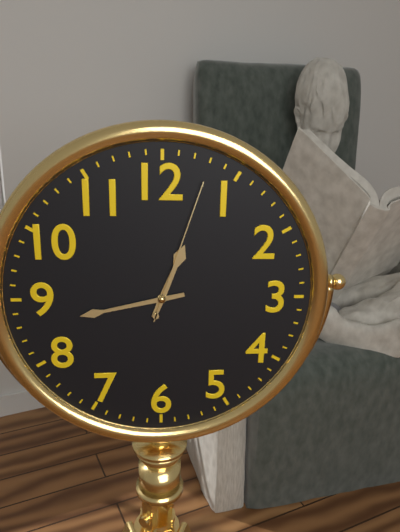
{"hour": 12, "minute": 43, "second": 3}
